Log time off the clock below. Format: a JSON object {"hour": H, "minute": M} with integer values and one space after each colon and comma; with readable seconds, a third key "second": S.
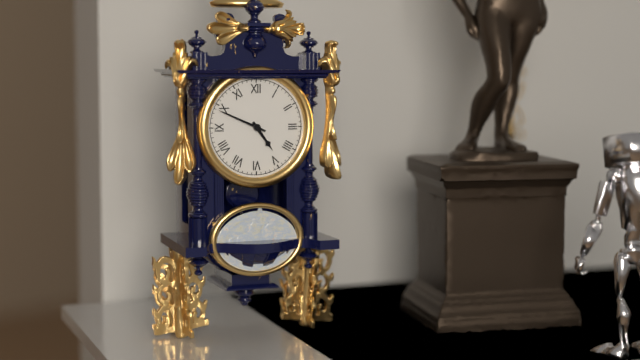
{"hour": 4, "minute": 49}
